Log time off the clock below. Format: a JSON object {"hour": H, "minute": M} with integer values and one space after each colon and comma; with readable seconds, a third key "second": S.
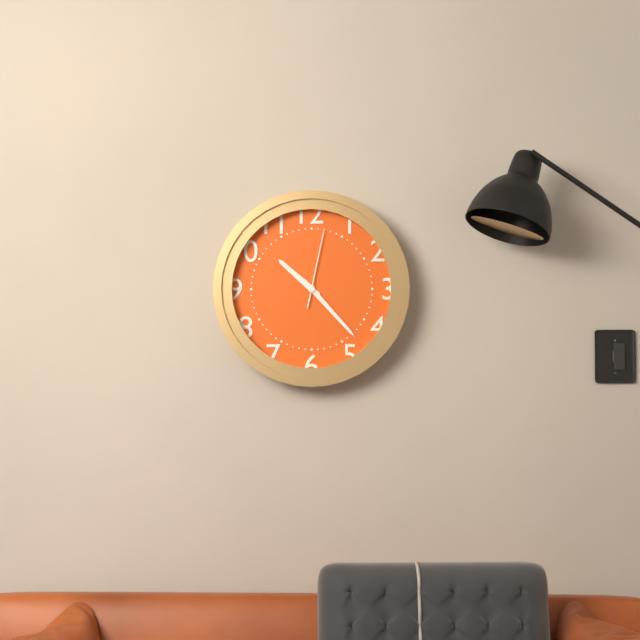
{"hour": 10, "minute": 23, "second": 2}
